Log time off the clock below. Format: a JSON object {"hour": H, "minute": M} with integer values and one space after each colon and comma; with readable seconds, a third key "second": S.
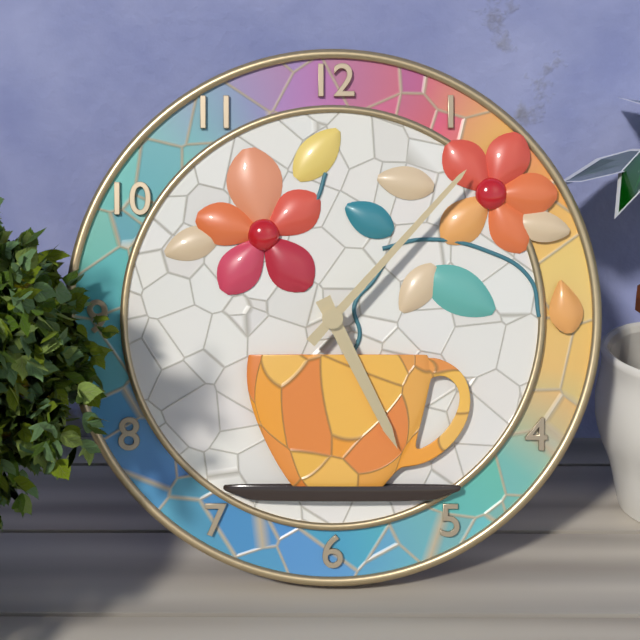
{"hour": 5, "minute": 7}
